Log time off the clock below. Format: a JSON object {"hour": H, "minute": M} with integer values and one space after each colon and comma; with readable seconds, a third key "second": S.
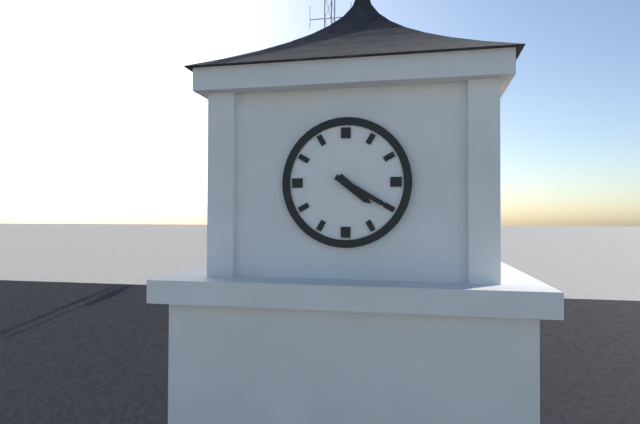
{"hour": 4, "minute": 20}
